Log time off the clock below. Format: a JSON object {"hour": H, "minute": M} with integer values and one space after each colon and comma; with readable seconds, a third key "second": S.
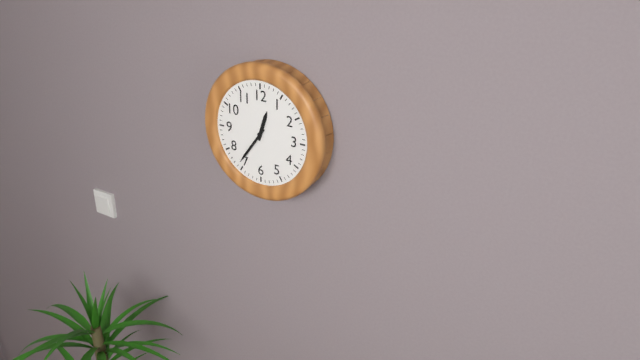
{"hour": 12, "minute": 36}
